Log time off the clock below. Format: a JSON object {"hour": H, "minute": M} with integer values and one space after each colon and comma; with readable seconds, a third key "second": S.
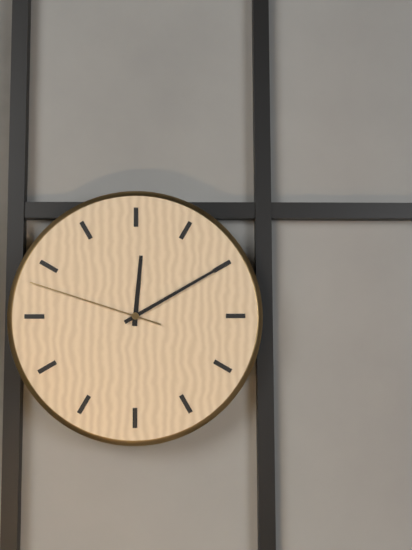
{"hour": 12, "minute": 10, "second": 48}
